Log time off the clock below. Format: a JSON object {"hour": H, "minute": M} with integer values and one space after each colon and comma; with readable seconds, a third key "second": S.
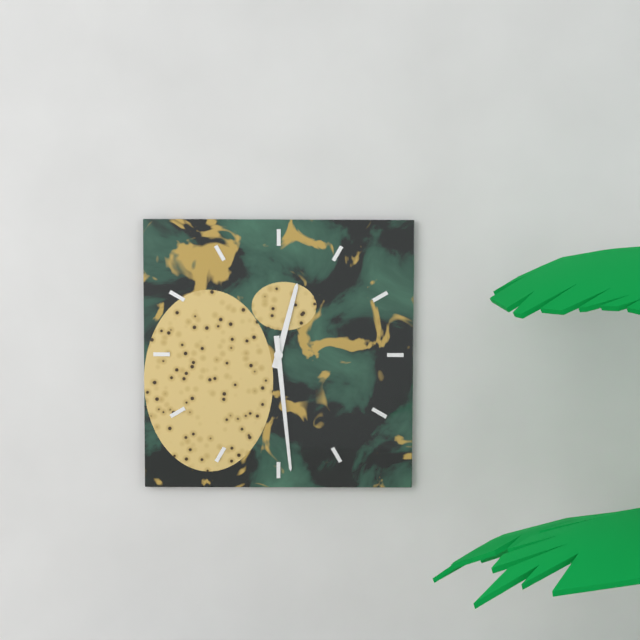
{"hour": 12, "minute": 29}
